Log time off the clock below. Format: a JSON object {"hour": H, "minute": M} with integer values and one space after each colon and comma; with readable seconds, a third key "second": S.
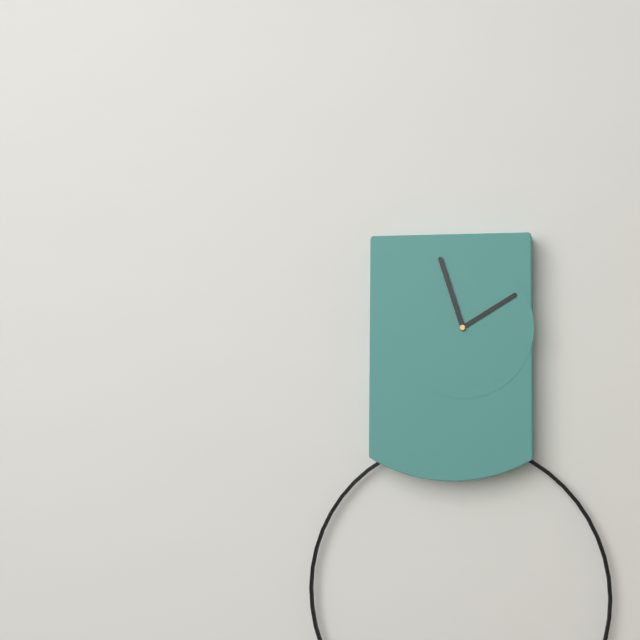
{"hour": 1, "minute": 57}
